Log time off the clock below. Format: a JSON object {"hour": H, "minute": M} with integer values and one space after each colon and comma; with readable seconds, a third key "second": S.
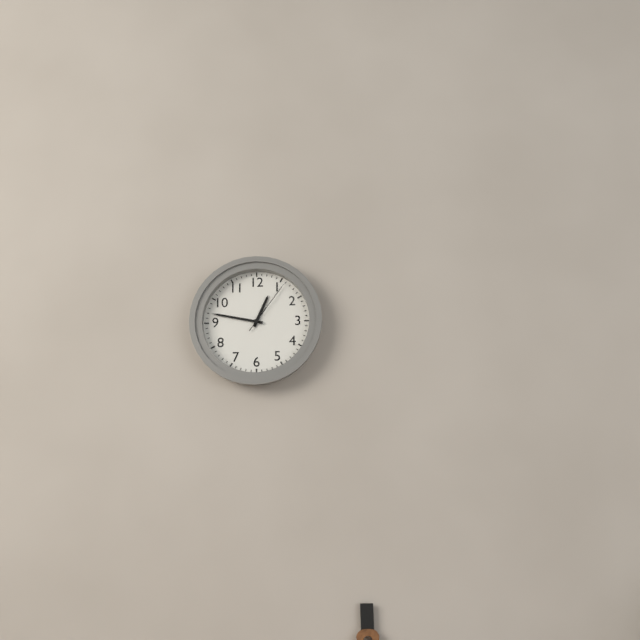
{"hour": 12, "minute": 47, "second": 6}
